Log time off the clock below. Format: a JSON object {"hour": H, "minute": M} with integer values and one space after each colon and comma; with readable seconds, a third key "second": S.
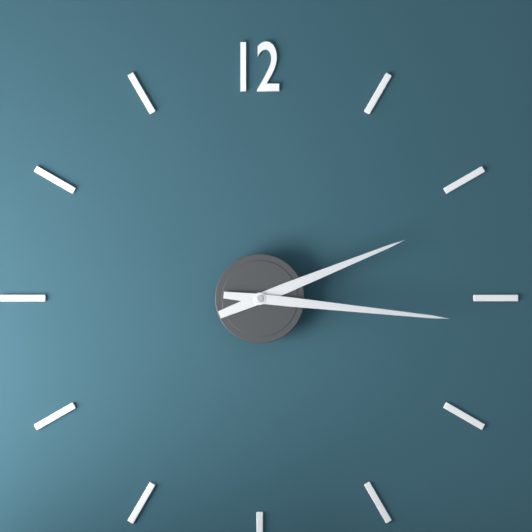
{"hour": 2, "minute": 16}
